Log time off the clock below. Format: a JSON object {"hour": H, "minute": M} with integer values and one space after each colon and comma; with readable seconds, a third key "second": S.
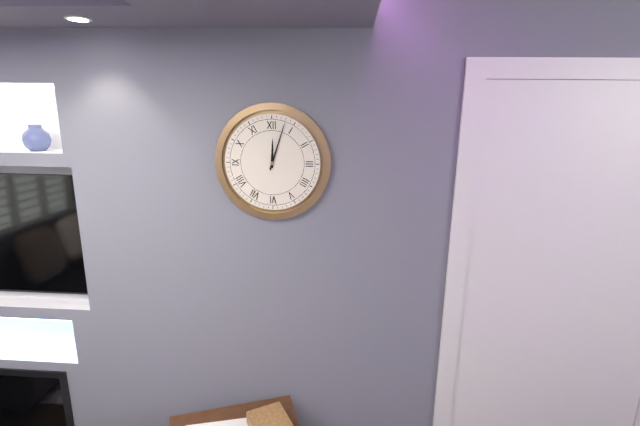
{"hour": 12, "minute": 3}
